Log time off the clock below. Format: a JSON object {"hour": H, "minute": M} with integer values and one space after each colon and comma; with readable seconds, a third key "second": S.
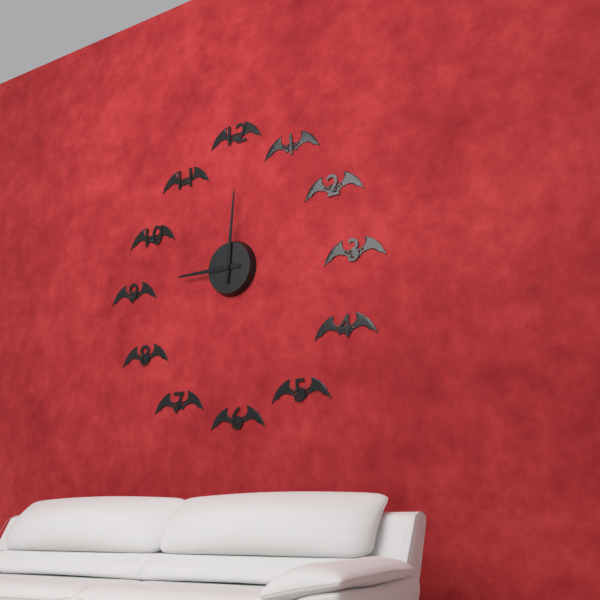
{"hour": 9, "minute": 1}
